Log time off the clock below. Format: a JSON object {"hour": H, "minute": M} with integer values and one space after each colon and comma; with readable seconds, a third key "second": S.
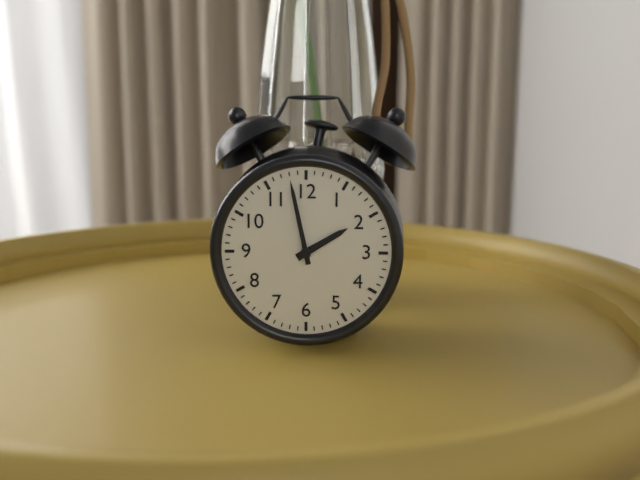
{"hour": 1, "minute": 58}
